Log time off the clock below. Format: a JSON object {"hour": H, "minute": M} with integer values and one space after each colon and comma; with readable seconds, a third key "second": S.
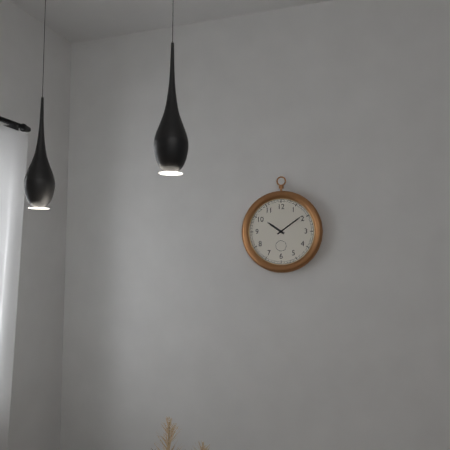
{"hour": 10, "minute": 9}
